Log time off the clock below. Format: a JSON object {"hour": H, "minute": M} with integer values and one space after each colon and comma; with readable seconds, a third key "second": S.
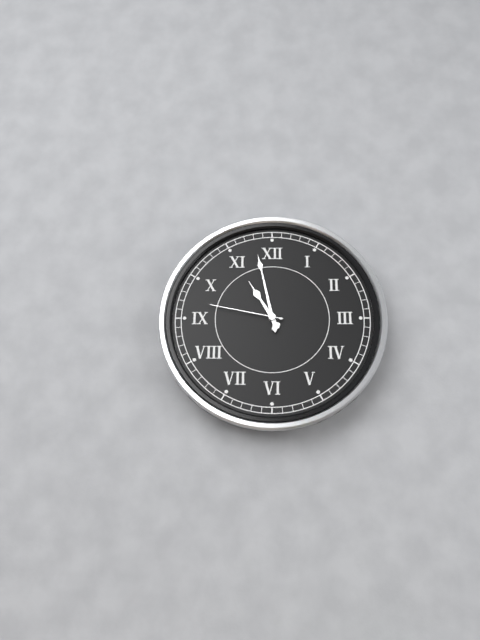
{"hour": 10, "minute": 58, "second": 47}
